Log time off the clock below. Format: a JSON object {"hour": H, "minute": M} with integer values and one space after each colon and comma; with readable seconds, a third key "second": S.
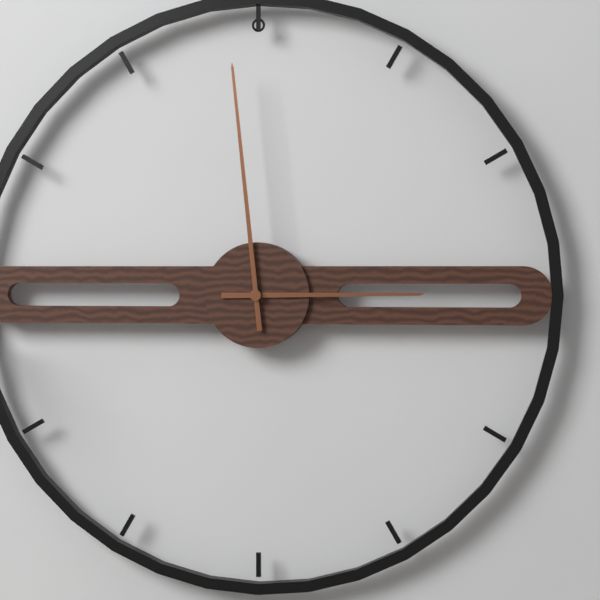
{"hour": 2, "minute": 59}
